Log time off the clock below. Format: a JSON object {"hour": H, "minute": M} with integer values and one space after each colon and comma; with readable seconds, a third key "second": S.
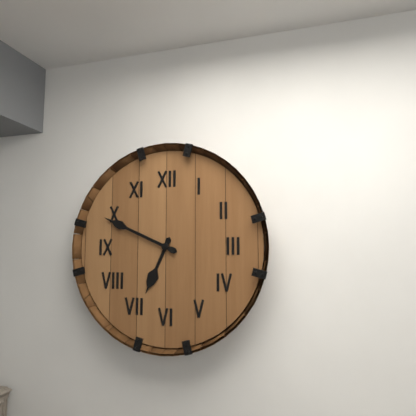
{"hour": 6, "minute": 49}
